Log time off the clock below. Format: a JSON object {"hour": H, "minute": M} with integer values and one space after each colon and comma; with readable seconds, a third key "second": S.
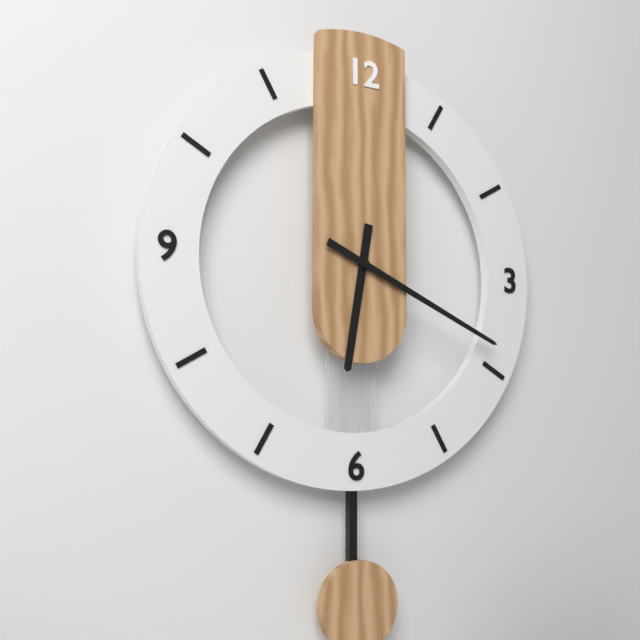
{"hour": 6, "minute": 19}
